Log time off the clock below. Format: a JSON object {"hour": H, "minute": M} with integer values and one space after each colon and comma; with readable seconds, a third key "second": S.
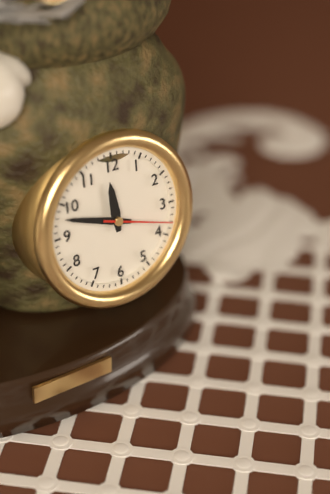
{"hour": 11, "minute": 48, "second": 18}
